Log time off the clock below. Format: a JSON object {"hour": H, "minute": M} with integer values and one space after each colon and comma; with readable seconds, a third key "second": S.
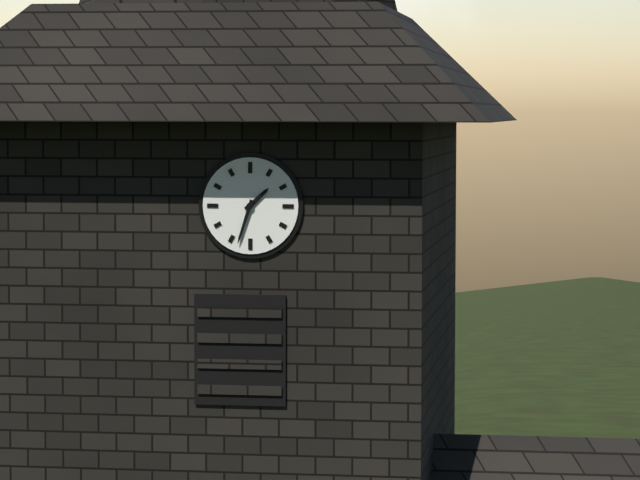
{"hour": 1, "minute": 33}
